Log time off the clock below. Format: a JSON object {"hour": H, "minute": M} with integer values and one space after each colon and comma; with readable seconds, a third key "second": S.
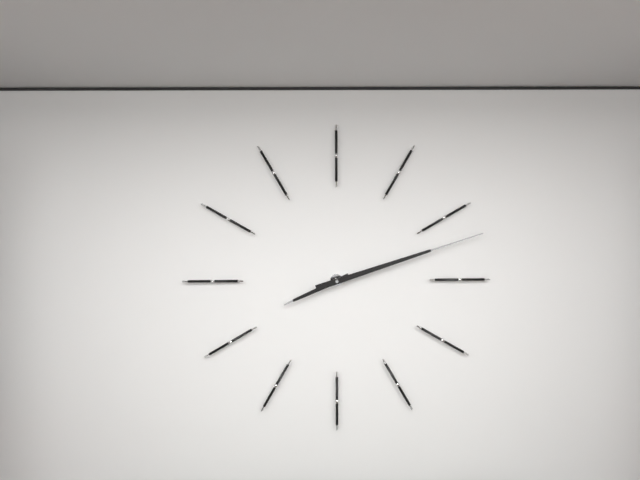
{"hour": 8, "minute": 12}
